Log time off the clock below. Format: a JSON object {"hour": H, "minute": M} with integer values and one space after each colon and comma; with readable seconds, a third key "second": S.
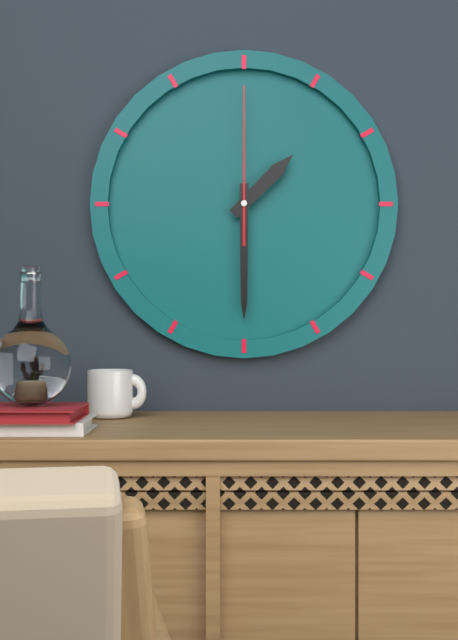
{"hour": 1, "minute": 30, "second": 0}
